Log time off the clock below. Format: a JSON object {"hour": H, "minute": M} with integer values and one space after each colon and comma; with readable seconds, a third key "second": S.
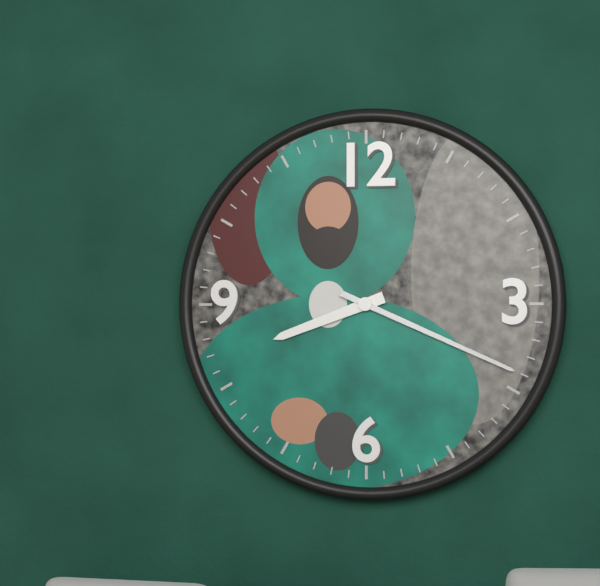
{"hour": 8, "minute": 19}
